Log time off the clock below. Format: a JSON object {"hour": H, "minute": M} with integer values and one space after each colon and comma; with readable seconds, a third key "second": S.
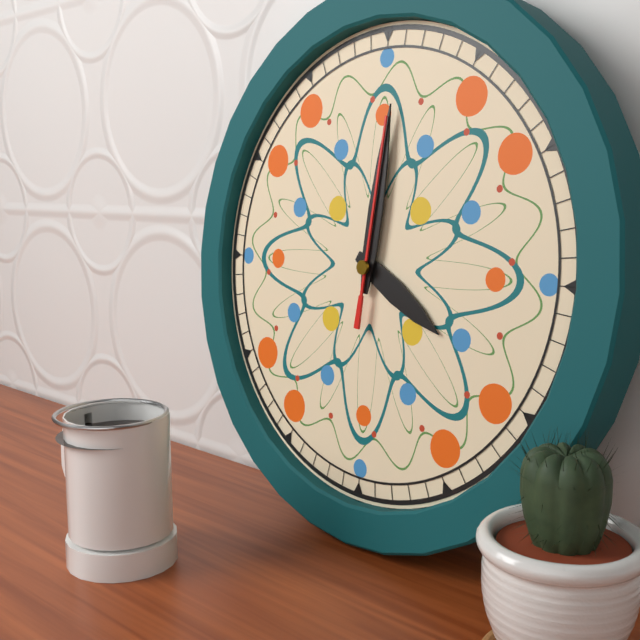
{"hour": 4, "minute": 1, "second": 1}
